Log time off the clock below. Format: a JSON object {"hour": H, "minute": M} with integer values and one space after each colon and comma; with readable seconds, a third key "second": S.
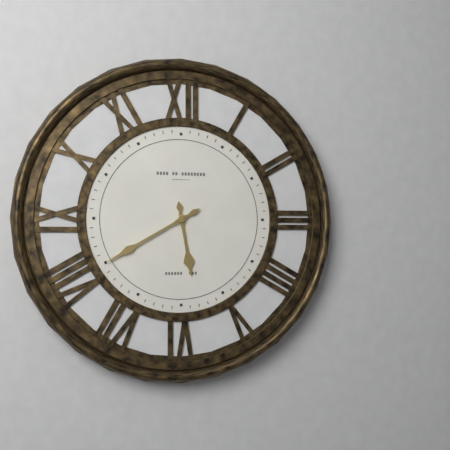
{"hour": 5, "minute": 40}
